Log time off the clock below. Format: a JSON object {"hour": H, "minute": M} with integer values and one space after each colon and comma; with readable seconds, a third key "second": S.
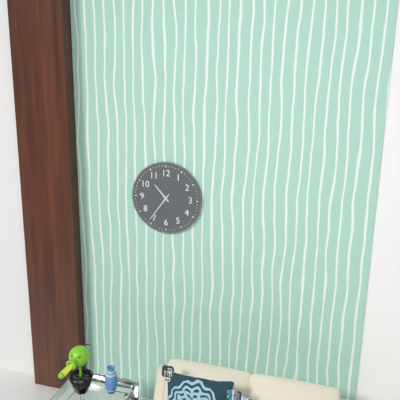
{"hour": 10, "minute": 36}
